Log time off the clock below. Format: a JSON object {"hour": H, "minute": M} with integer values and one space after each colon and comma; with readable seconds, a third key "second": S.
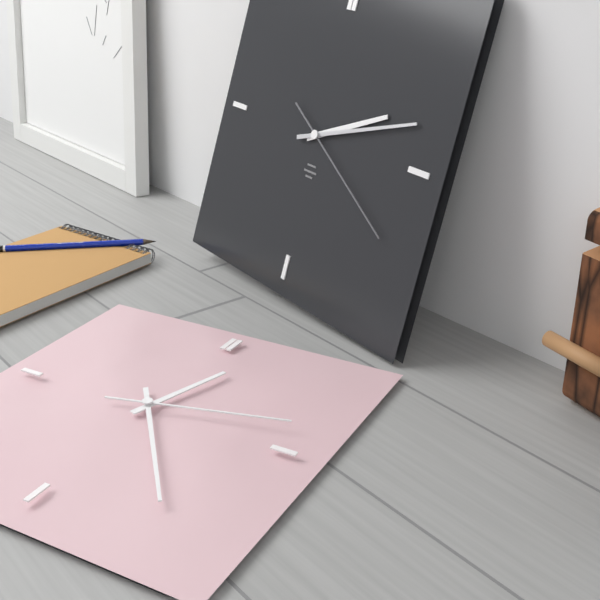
{"hour": 2, "minute": 12, "second": 20}
